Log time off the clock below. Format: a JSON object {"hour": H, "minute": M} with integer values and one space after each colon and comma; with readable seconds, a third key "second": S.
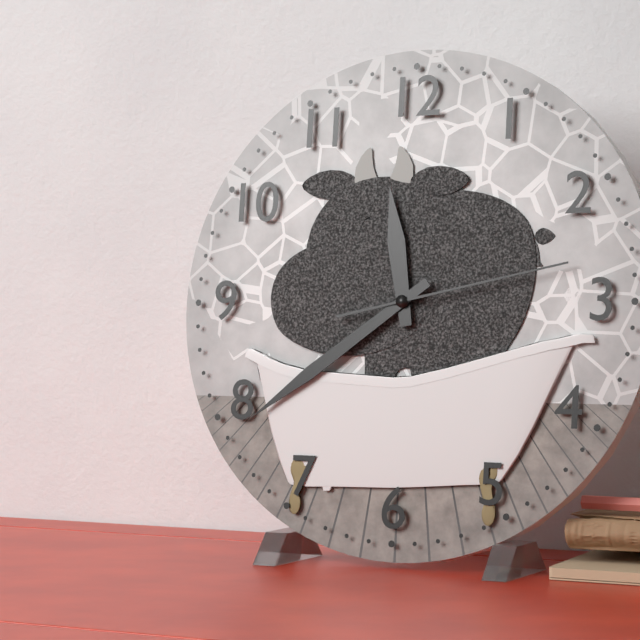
{"hour": 11, "minute": 39, "second": 13}
